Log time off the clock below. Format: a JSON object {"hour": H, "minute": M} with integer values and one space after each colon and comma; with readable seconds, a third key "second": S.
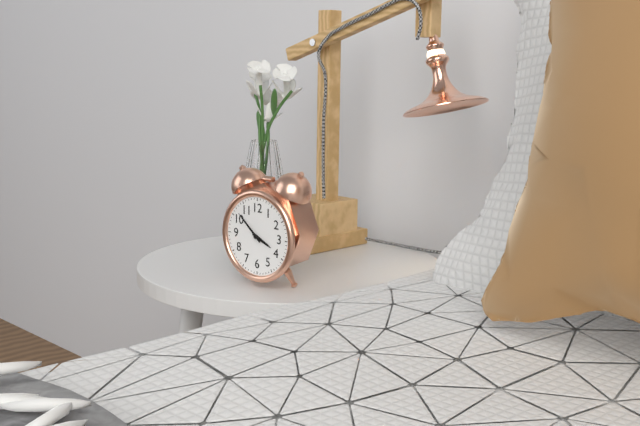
{"hour": 3, "minute": 52}
